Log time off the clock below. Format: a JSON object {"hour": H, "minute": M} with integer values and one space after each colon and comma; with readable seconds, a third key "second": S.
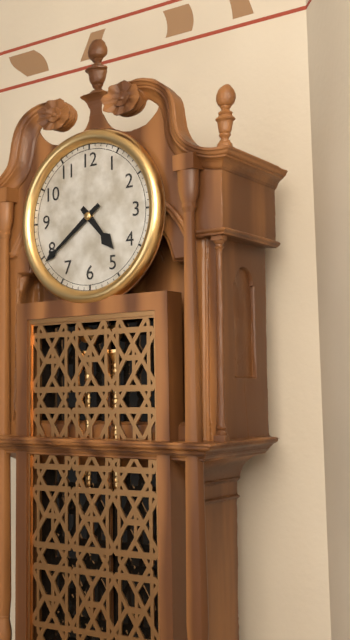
{"hour": 4, "minute": 39}
